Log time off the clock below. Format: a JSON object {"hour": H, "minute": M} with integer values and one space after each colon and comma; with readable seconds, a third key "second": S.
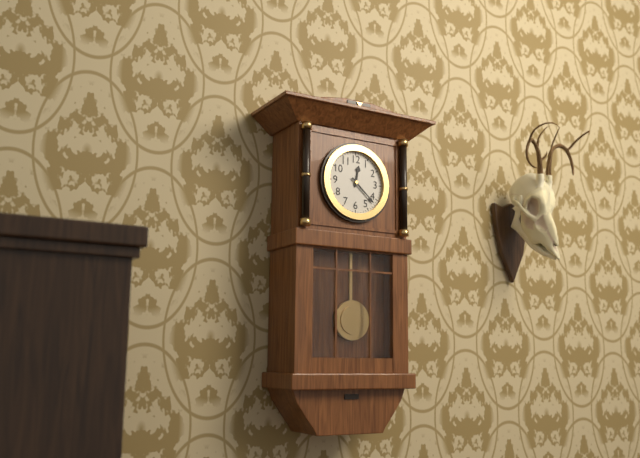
{"hour": 12, "minute": 22}
